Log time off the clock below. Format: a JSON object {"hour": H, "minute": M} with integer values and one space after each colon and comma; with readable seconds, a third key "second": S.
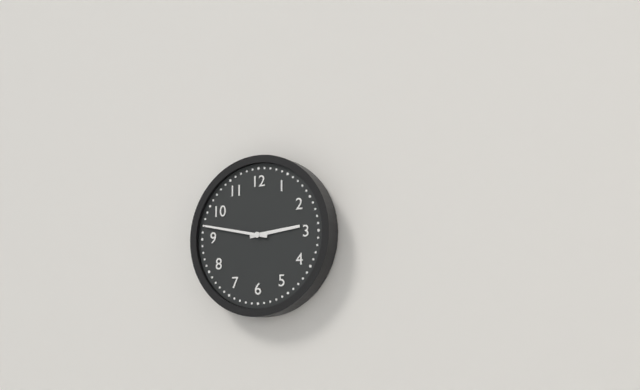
{"hour": 2, "minute": 47}
